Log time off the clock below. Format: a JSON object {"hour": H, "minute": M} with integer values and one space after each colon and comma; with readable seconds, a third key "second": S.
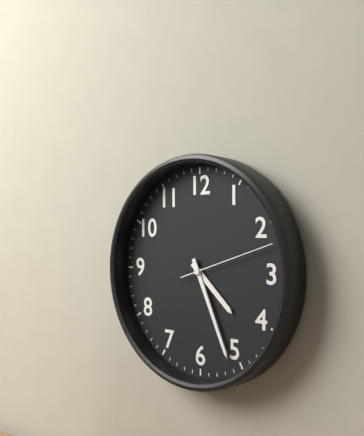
{"hour": 4, "minute": 26, "second": 12}
